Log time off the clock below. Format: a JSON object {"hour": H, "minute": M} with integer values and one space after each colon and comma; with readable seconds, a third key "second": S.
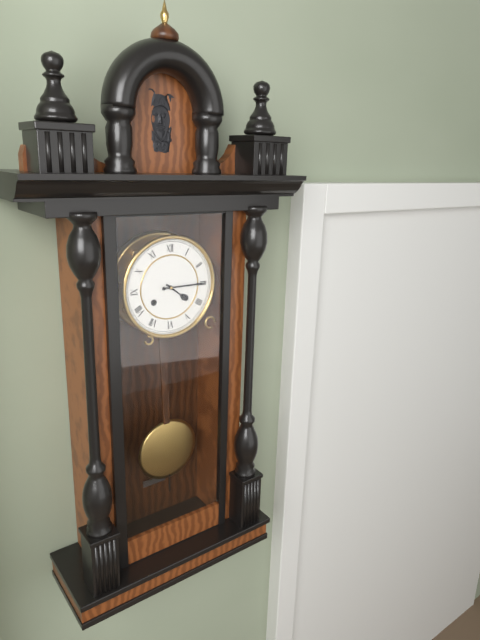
{"hour": 4, "minute": 15}
